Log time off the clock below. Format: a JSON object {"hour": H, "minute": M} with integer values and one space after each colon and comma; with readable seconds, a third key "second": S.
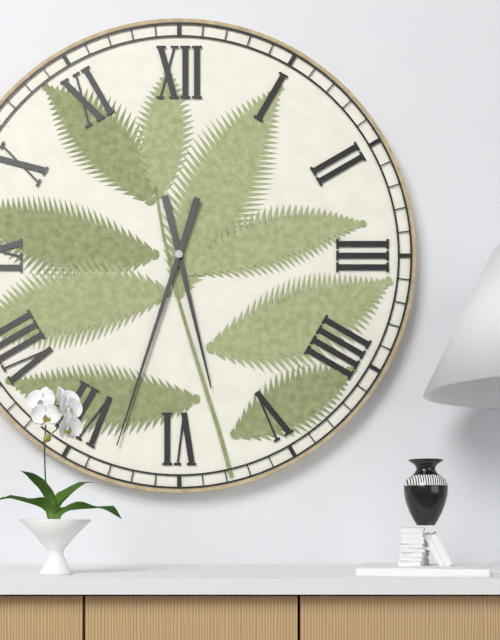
{"hour": 5, "minute": 33}
